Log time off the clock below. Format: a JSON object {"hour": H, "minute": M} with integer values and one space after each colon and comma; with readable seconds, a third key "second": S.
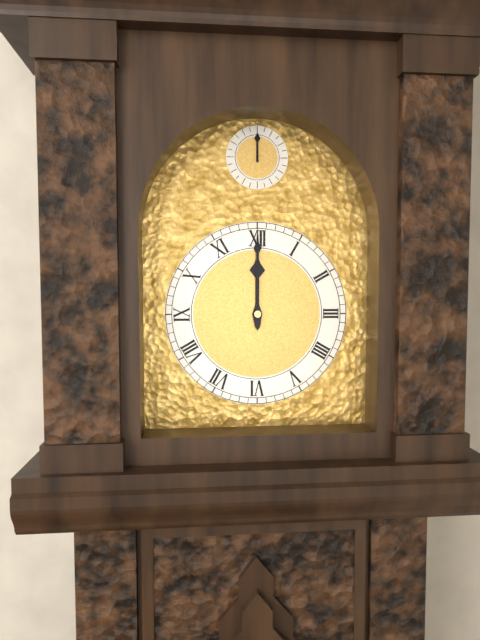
{"hour": 12, "minute": 0}
